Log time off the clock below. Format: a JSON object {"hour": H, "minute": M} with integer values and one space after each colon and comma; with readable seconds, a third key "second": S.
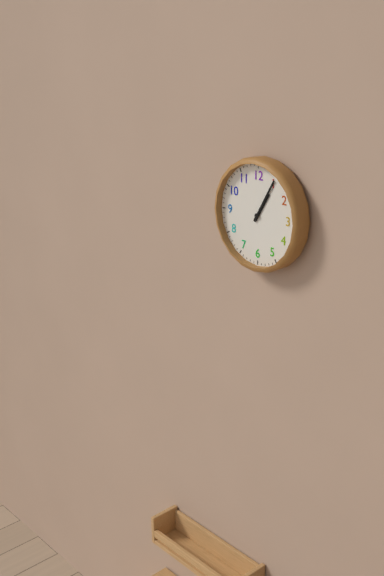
{"hour": 1, "minute": 5}
